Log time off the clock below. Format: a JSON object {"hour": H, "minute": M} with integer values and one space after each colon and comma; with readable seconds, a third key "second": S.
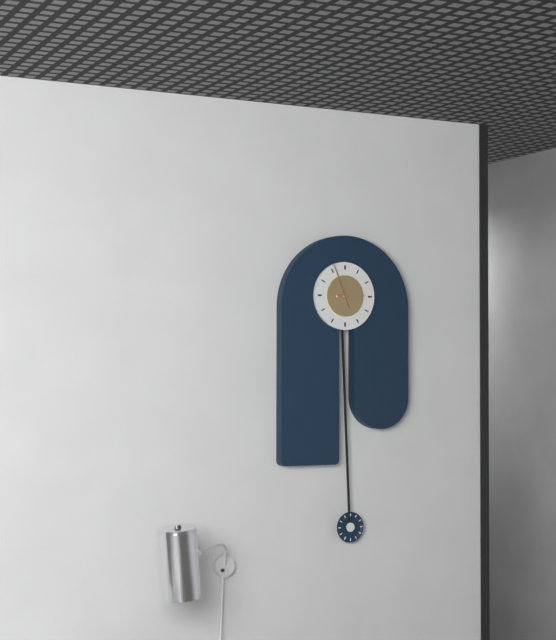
{"hour": 2, "minute": 56}
